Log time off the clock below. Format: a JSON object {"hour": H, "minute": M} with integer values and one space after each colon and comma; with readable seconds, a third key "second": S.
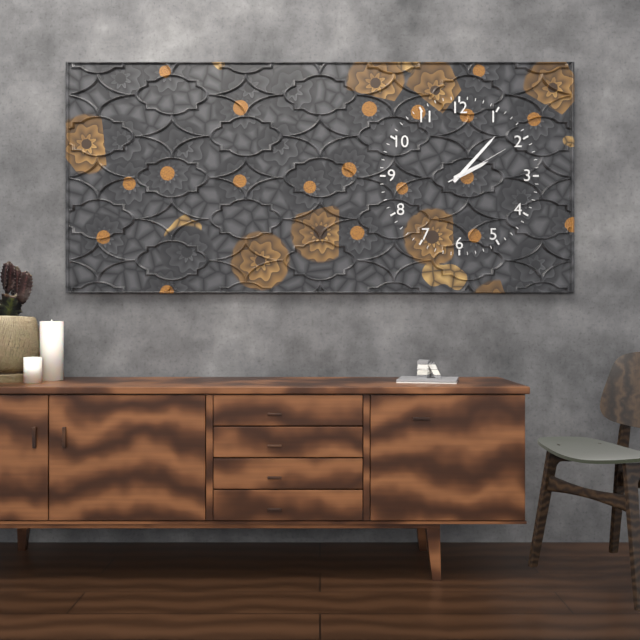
{"hour": 2, "minute": 7, "second": 10}
